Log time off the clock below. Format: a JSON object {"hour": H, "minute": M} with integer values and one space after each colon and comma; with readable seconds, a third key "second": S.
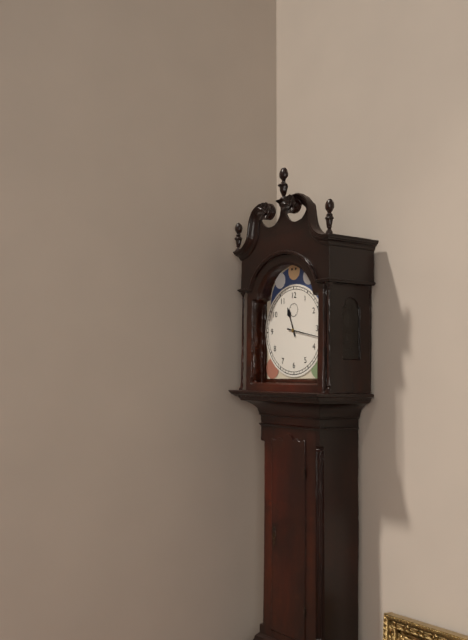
{"hour": 11, "minute": 17}
